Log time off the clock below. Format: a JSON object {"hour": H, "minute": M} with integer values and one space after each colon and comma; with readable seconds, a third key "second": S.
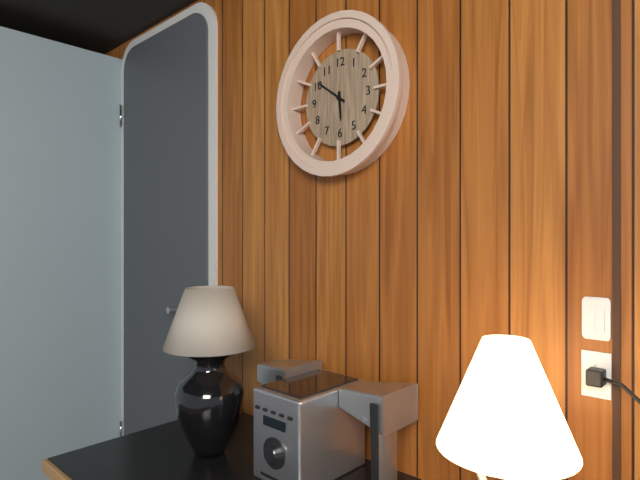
{"hour": 5, "minute": 51}
